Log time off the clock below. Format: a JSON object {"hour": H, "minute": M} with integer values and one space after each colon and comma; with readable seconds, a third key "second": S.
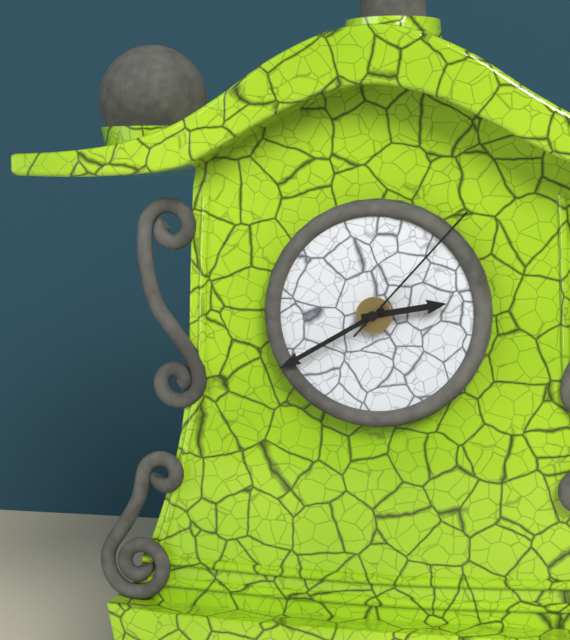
{"hour": 2, "minute": 40, "second": 7}
